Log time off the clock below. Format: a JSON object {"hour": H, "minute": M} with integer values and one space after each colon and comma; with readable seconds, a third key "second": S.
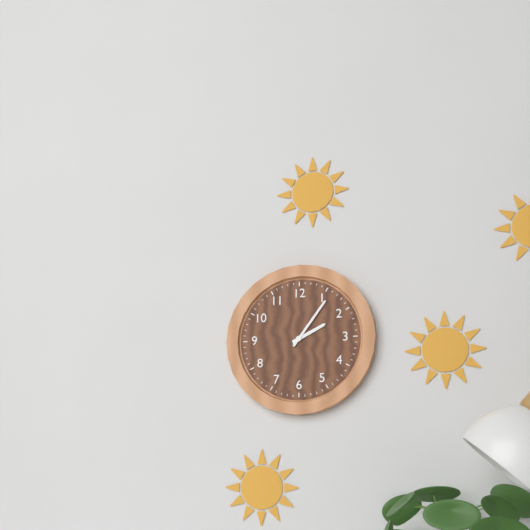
{"hour": 2, "minute": 6}
